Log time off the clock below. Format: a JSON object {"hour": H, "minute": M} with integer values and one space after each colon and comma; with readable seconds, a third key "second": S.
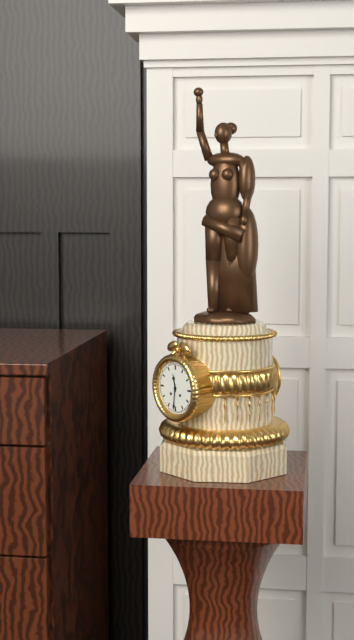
{"hour": 11, "minute": 31}
